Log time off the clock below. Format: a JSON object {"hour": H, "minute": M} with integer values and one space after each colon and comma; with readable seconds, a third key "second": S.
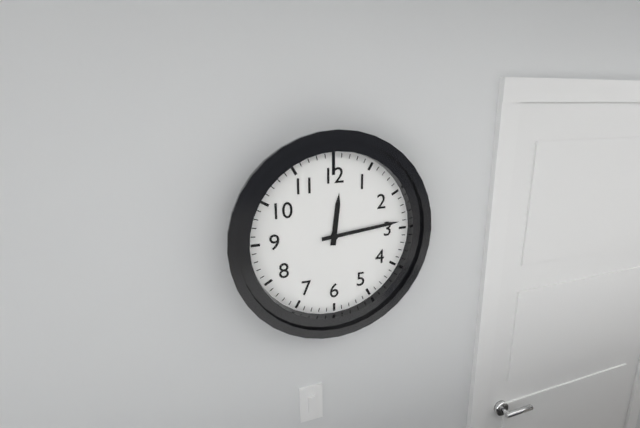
{"hour": 12, "minute": 14}
